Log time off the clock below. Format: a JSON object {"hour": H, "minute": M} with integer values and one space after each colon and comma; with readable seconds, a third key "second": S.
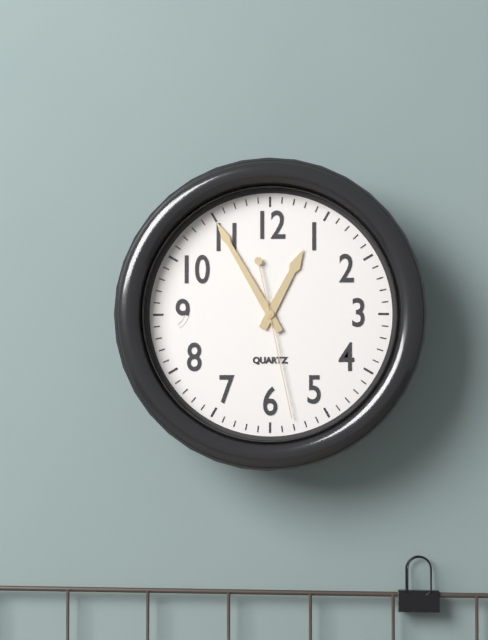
{"hour": 12, "minute": 55, "second": 28}
